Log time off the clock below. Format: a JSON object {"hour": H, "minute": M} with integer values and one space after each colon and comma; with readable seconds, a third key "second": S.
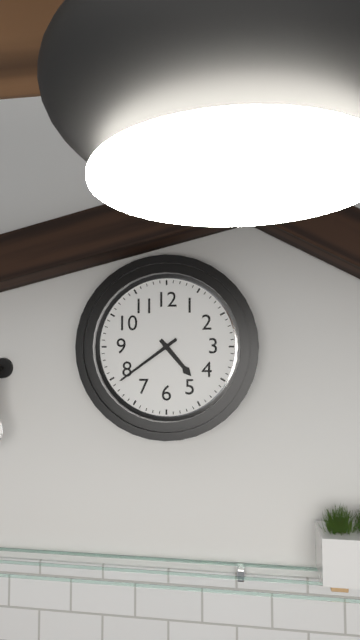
{"hour": 4, "minute": 39}
